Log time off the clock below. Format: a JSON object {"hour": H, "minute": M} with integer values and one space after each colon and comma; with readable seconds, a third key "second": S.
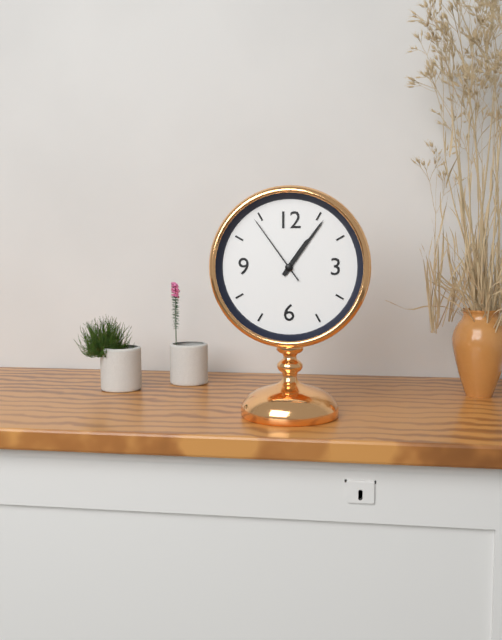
{"hour": 1, "minute": 6, "second": 54}
